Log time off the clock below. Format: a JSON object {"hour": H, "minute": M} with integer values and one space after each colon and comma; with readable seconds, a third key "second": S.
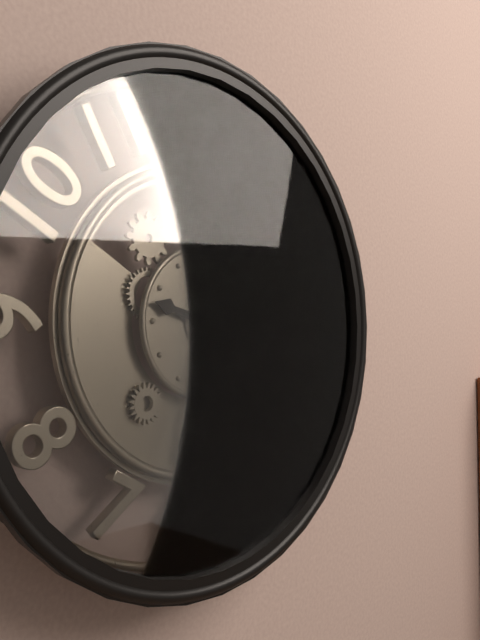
{"hour": 9, "minute": 31, "second": 33}
